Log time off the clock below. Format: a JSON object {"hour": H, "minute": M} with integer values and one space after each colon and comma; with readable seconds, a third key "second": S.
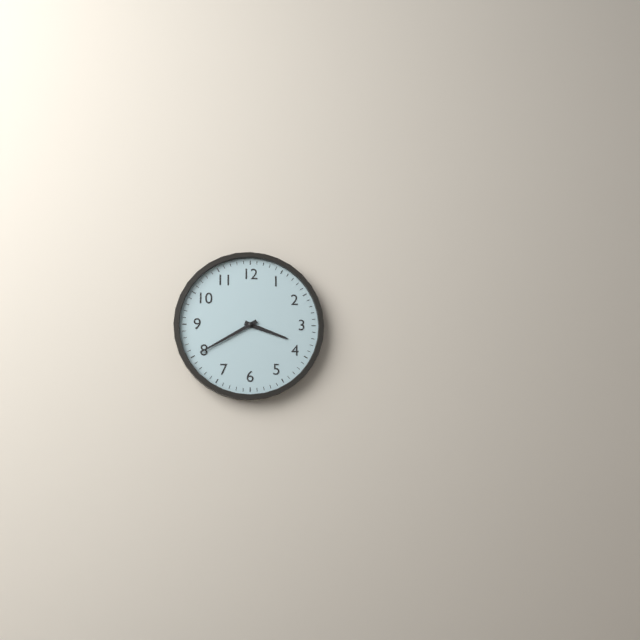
{"hour": 3, "minute": 40}
